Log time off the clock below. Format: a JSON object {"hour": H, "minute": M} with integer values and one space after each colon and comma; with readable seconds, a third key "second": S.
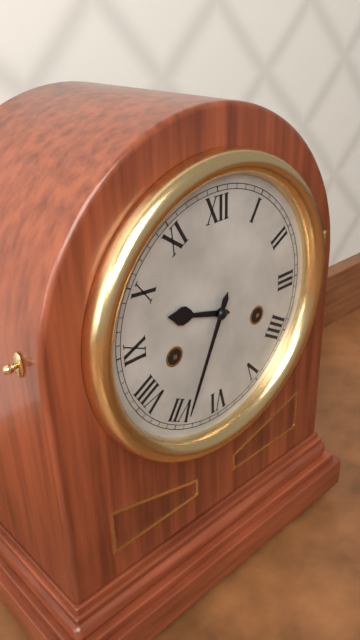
{"hour": 9, "minute": 34}
